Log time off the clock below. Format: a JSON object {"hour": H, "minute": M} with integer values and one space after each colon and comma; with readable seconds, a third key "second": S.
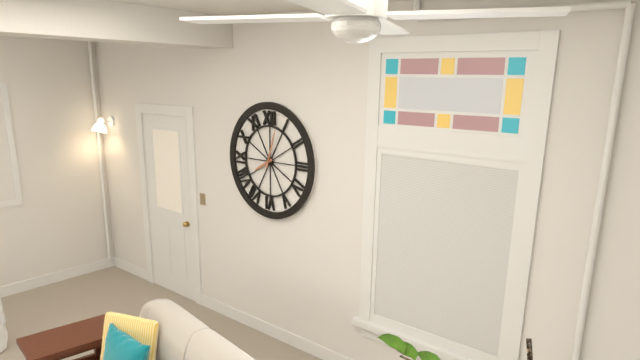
{"hour": 8, "minute": 3}
